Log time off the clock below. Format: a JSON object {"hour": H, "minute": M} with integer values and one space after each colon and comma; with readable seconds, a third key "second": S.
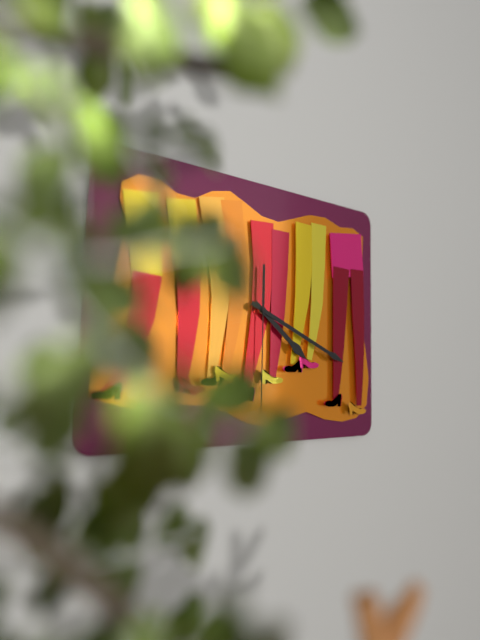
{"hour": 4, "minute": 19, "second": 30}
